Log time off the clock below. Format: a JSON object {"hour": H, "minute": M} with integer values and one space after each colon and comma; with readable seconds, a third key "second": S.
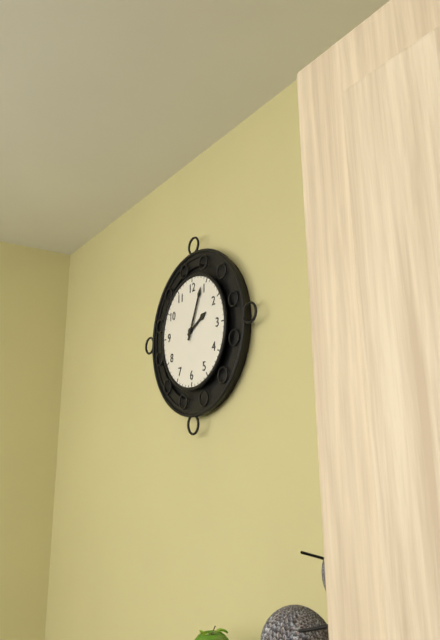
{"hour": 2, "minute": 4}
